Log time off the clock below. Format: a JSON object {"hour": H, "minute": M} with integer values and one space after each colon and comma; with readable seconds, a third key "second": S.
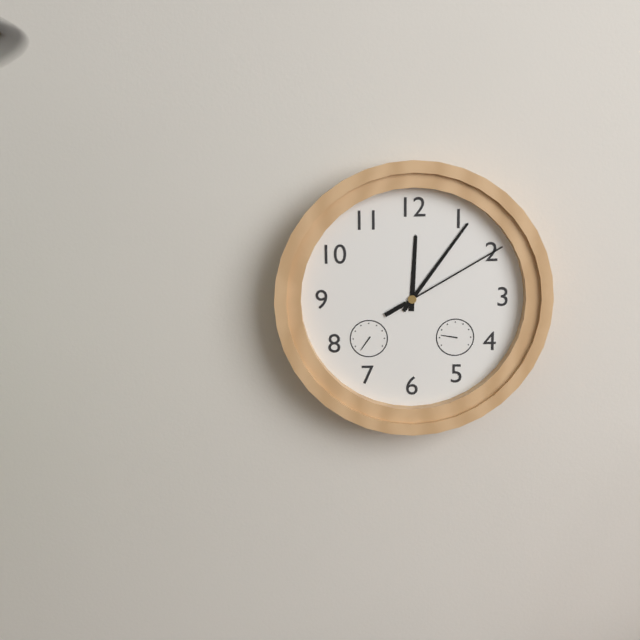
{"hour": 12, "minute": 6, "second": 10}
